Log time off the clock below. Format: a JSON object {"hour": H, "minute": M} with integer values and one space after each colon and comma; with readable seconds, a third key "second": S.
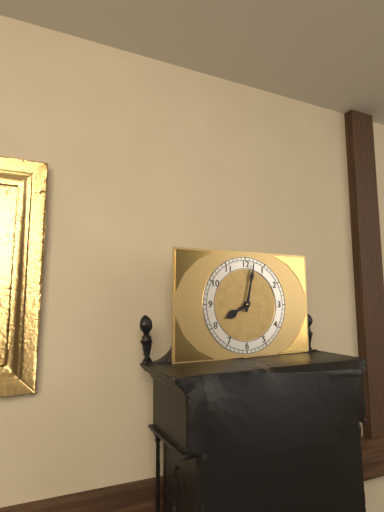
{"hour": 8, "minute": 2}
